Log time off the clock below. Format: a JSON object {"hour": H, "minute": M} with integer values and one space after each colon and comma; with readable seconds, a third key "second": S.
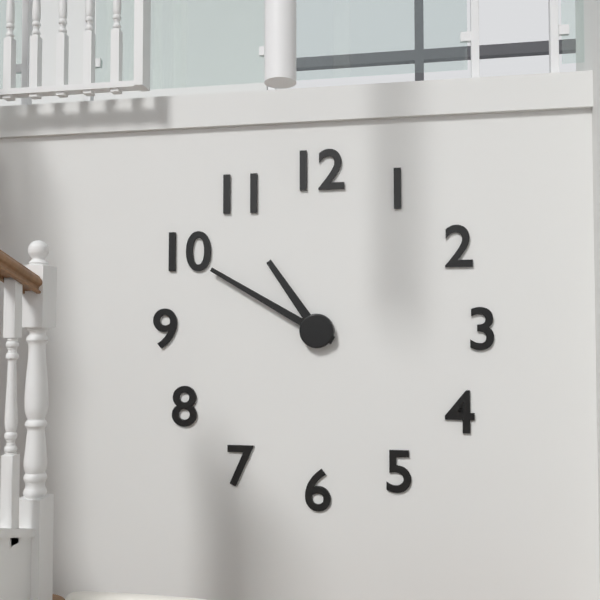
{"hour": 10, "minute": 50}
